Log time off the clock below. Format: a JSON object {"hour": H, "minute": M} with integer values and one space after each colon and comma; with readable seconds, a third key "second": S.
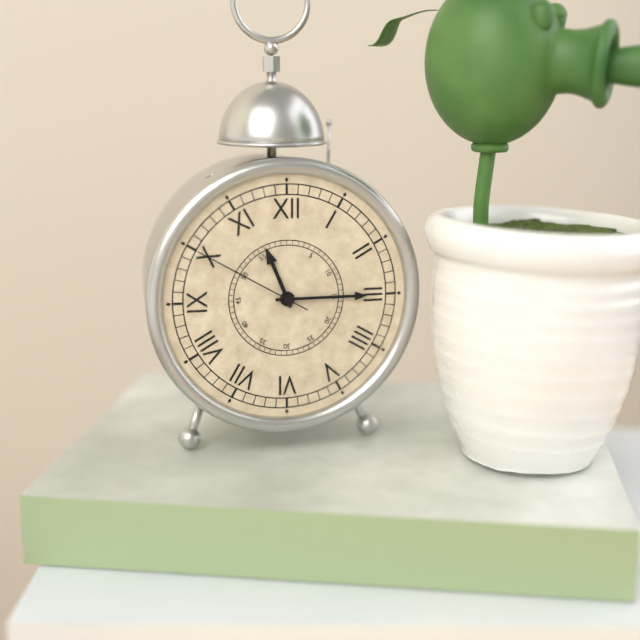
{"hour": 11, "minute": 15, "second": 50}
